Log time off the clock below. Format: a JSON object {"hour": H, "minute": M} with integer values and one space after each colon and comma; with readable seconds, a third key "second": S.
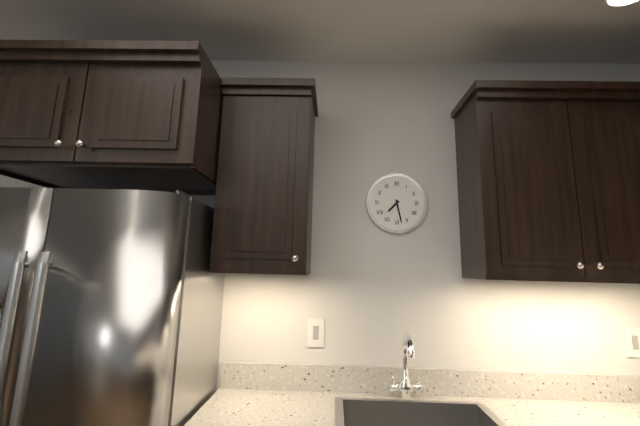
{"hour": 7, "minute": 28}
